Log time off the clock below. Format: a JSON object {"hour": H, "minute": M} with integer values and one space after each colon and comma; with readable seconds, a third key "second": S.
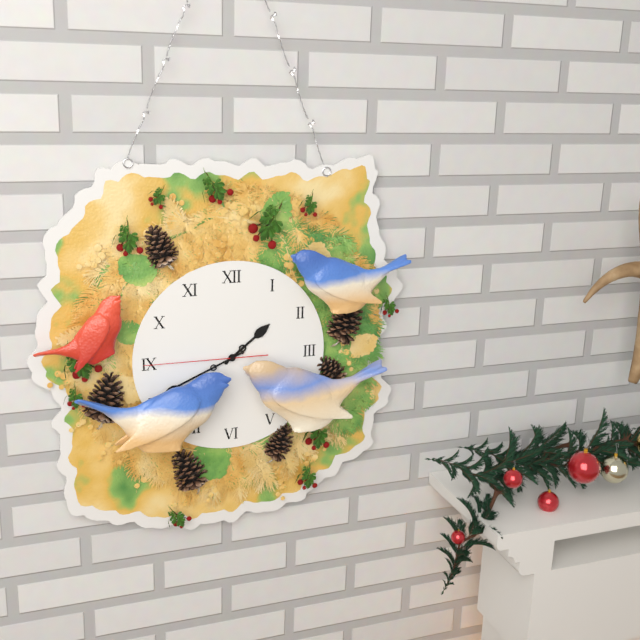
{"hour": 1, "minute": 41, "second": 45}
